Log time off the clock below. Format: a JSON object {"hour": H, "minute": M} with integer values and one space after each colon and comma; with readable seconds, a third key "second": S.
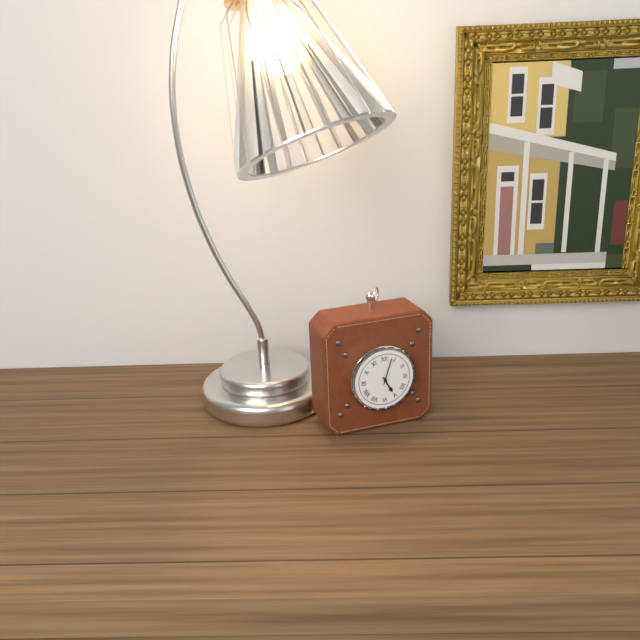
{"hour": 5, "minute": 3}
